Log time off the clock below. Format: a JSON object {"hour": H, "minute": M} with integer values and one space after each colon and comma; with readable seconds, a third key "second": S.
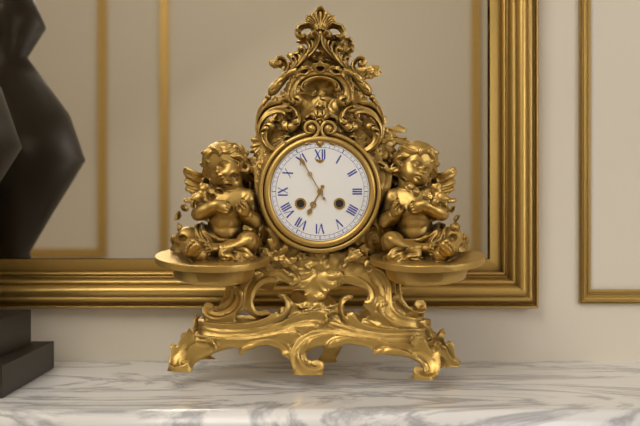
{"hour": 6, "minute": 55}
